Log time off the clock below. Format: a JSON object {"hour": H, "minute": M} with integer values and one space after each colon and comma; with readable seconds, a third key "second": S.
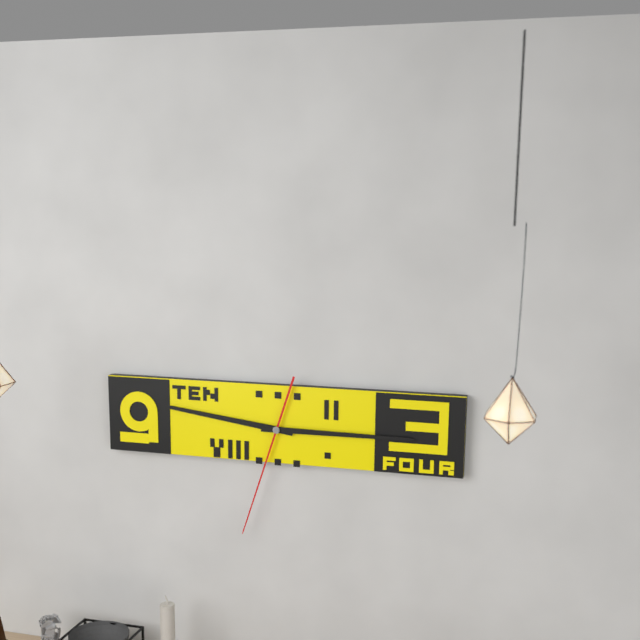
{"hour": 9, "minute": 15, "second": 33}
